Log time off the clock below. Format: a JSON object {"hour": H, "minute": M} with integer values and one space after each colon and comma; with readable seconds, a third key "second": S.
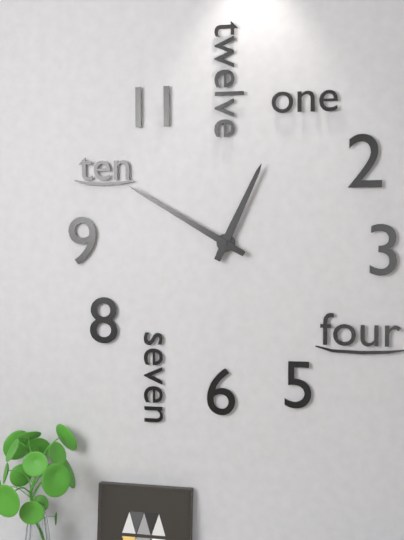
{"hour": 12, "minute": 50}
